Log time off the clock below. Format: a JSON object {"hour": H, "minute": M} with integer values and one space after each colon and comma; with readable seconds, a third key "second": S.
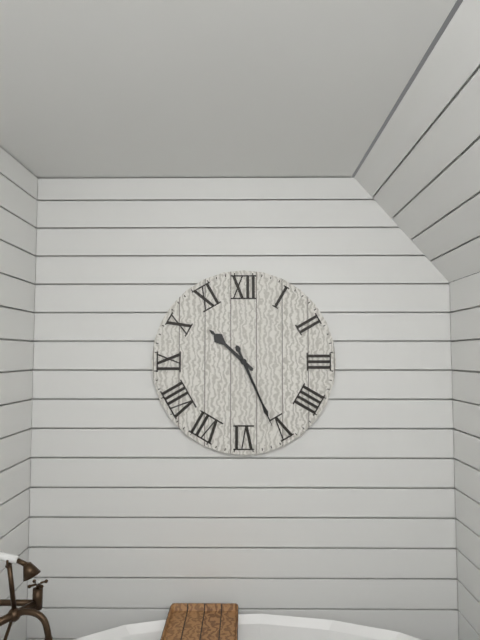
{"hour": 10, "minute": 26}
